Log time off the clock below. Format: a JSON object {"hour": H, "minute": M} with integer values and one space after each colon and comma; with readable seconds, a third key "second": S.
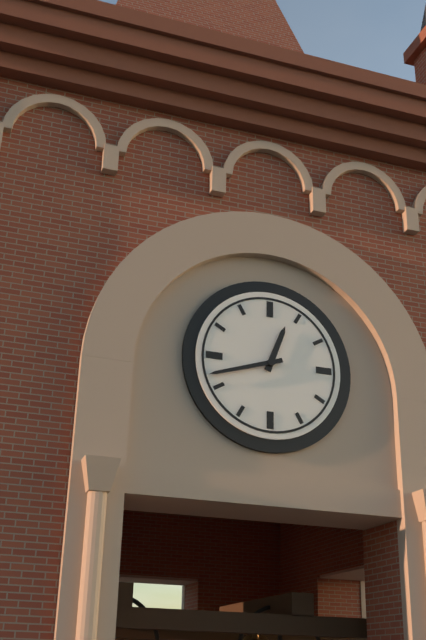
{"hour": 12, "minute": 42}
